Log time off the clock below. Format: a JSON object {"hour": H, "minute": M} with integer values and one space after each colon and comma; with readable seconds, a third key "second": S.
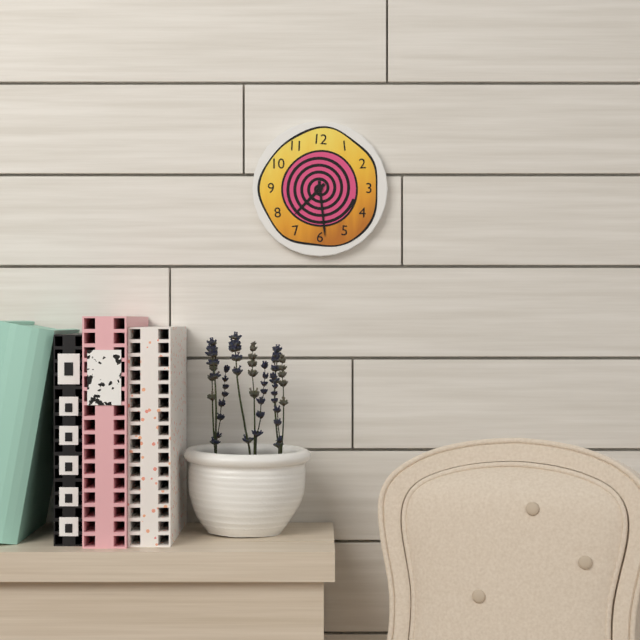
{"hour": 7, "minute": 29}
